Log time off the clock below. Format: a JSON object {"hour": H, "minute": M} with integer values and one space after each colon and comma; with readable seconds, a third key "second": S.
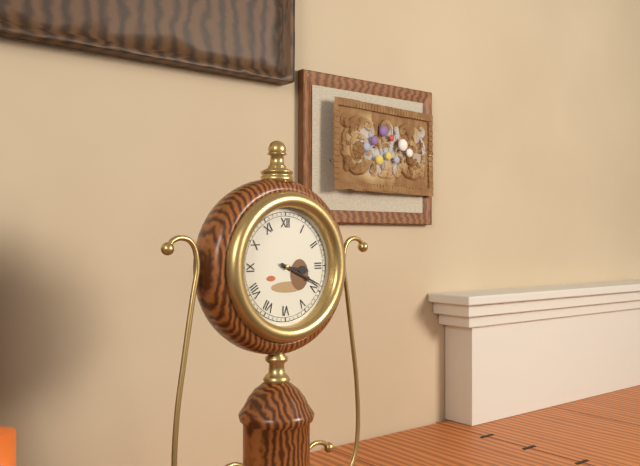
{"hour": 3, "minute": 19}
